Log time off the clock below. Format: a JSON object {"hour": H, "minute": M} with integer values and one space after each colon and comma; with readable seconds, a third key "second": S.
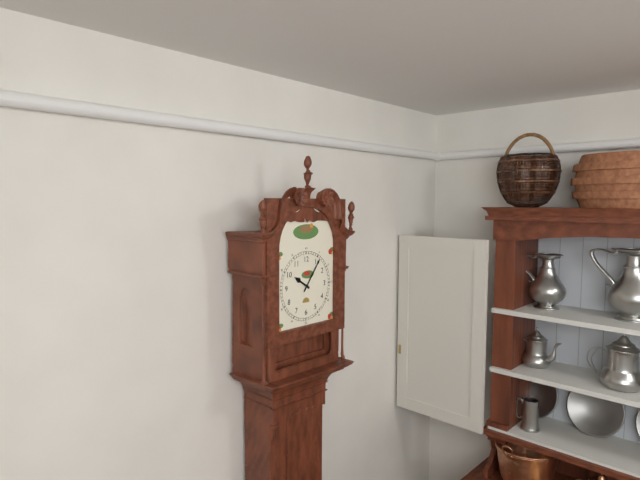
{"hour": 10, "minute": 6}
